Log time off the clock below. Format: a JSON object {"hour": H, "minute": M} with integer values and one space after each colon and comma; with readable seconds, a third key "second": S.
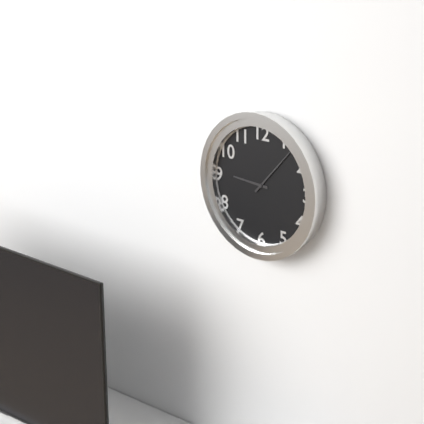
{"hour": 9, "minute": 7}
